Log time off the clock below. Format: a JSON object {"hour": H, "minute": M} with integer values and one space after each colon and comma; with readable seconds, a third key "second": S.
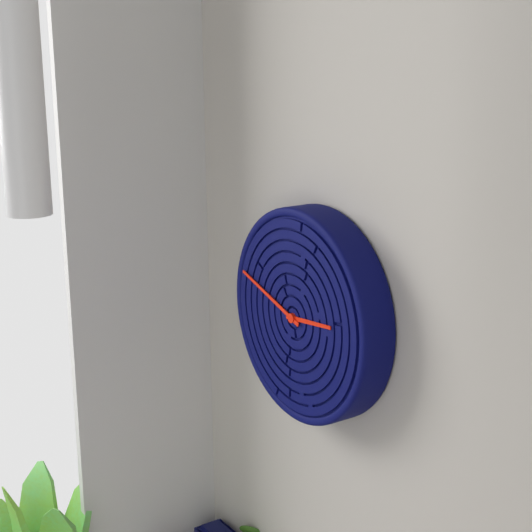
{"hour": 2, "minute": 48}
